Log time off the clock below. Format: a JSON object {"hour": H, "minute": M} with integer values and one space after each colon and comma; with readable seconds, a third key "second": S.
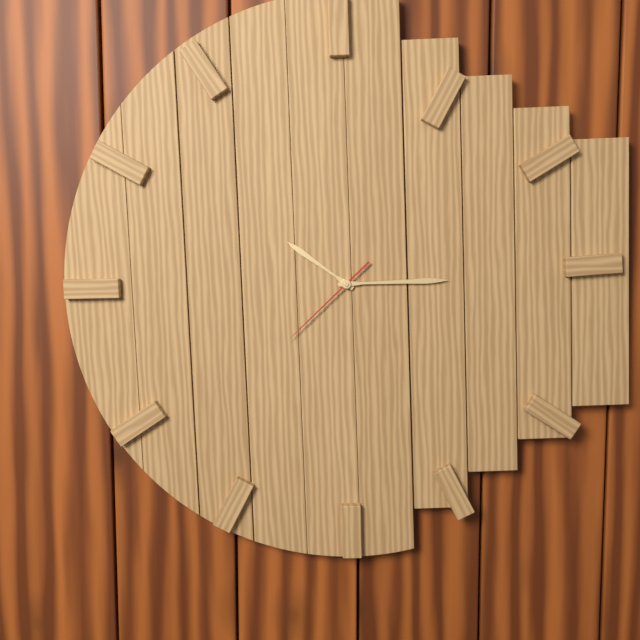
{"hour": 10, "minute": 15, "second": 38}
